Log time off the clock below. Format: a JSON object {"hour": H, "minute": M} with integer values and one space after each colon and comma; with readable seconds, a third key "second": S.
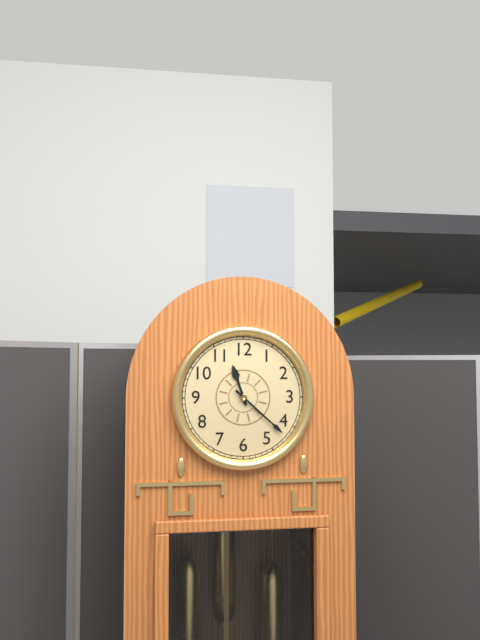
{"hour": 11, "minute": 22}
